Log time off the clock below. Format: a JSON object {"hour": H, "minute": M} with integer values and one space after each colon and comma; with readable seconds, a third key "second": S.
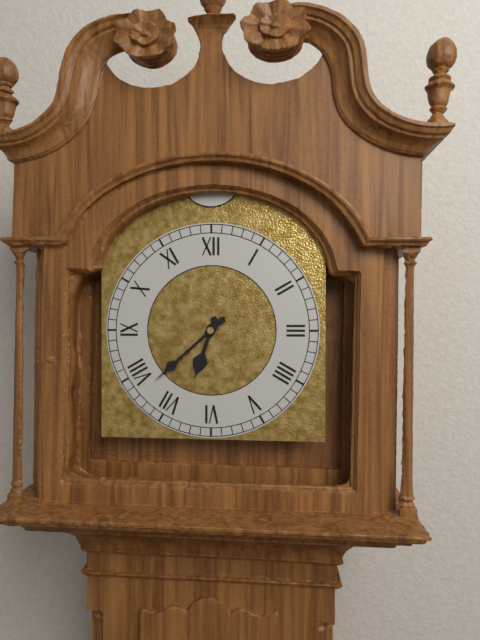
{"hour": 6, "minute": 38}
